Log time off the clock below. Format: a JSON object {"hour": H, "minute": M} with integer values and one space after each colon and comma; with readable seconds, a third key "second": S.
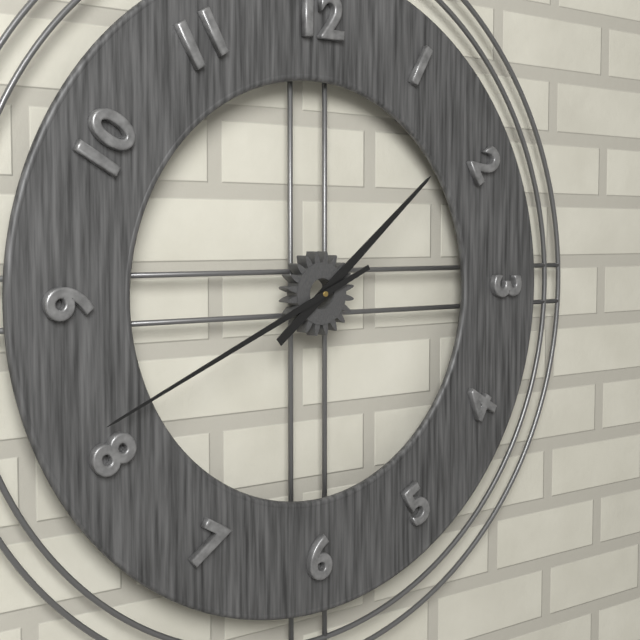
{"hour": 1, "minute": 41}
